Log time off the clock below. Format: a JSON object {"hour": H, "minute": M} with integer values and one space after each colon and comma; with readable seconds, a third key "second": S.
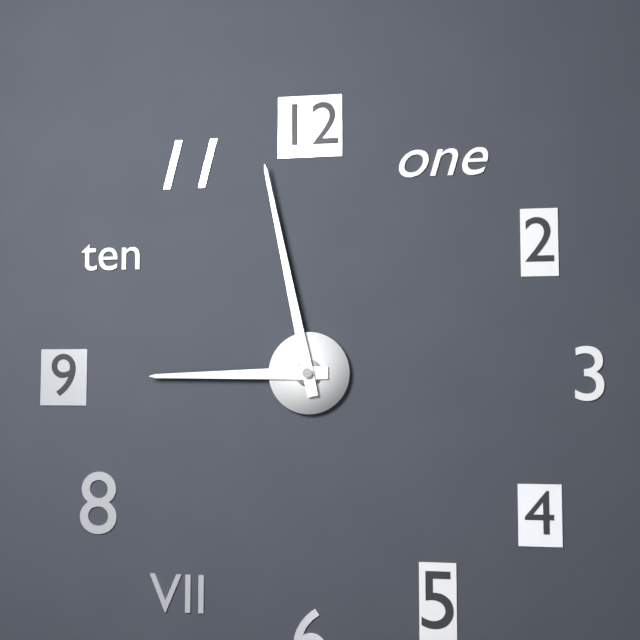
{"hour": 8, "minute": 58}
